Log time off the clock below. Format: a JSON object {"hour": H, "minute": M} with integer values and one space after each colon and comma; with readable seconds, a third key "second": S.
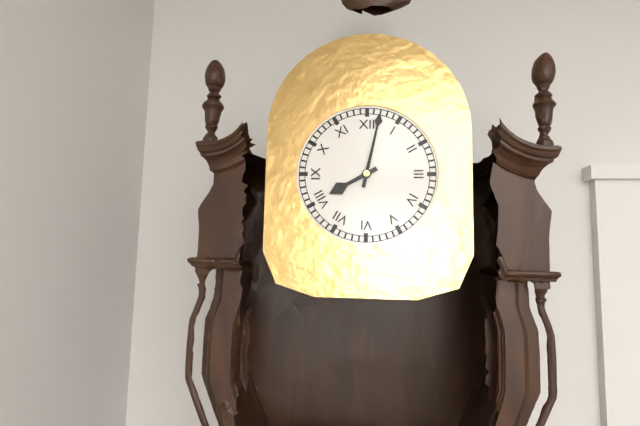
{"hour": 8, "minute": 2}
